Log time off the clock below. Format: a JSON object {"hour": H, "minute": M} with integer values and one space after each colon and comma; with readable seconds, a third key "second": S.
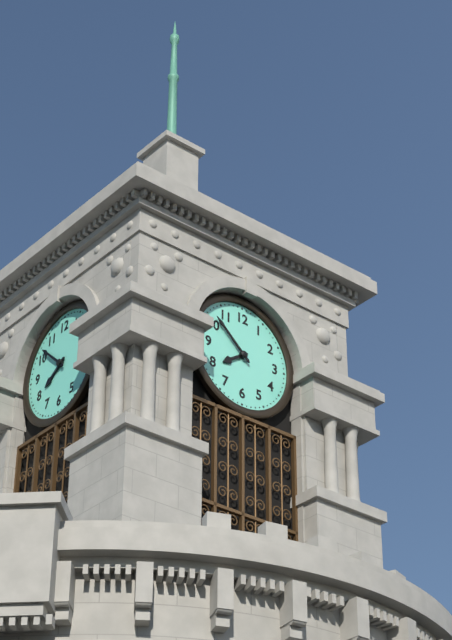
{"hour": 7, "minute": 52}
